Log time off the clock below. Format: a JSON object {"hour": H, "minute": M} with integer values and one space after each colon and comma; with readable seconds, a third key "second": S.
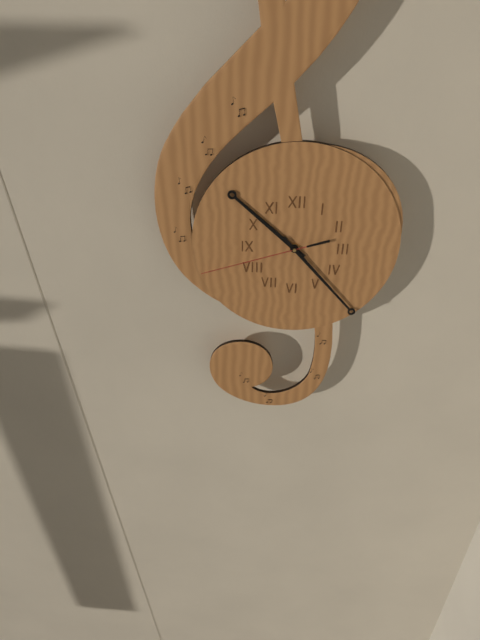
{"hour": 10, "minute": 23, "second": 42}
